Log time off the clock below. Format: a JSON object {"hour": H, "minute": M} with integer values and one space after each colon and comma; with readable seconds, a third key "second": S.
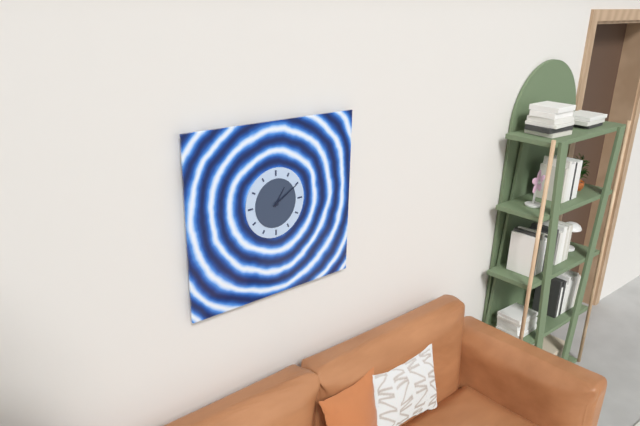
{"hour": 1, "minute": 10}
